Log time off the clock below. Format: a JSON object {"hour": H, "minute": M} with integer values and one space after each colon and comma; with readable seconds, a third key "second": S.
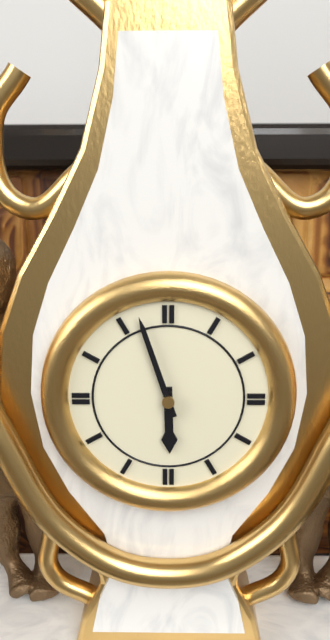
{"hour": 5, "minute": 57}
